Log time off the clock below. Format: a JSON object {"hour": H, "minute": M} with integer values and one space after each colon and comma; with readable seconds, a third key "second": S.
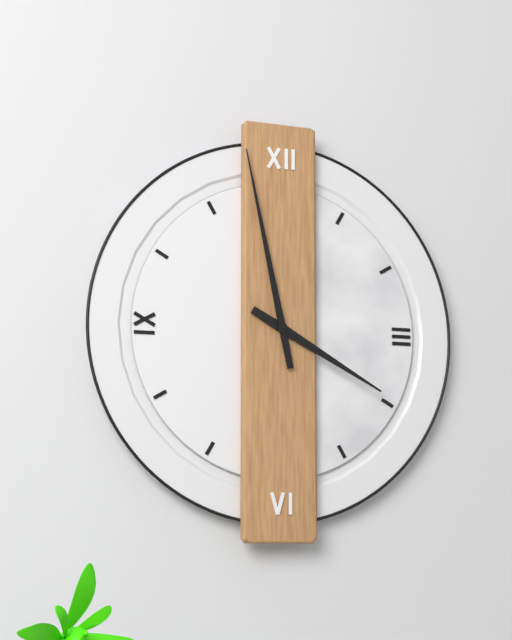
{"hour": 3, "minute": 58}
